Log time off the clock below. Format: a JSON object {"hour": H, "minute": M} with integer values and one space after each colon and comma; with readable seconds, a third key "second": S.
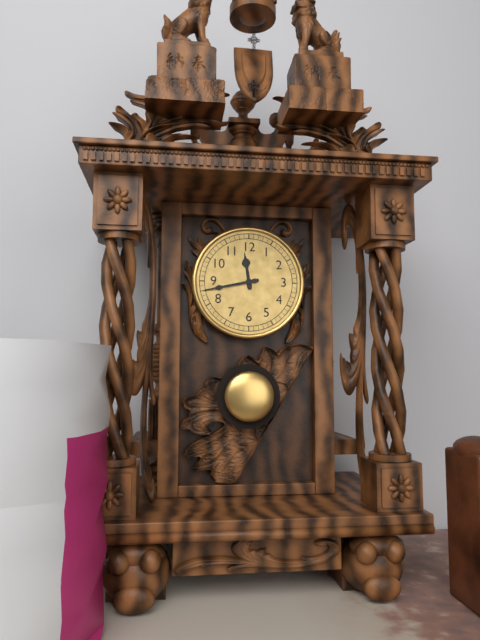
{"hour": 11, "minute": 43}
